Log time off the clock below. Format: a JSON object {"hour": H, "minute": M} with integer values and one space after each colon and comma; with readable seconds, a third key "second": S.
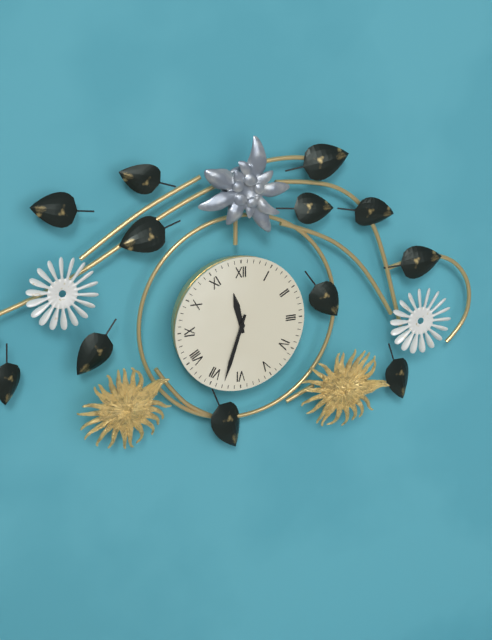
{"hour": 11, "minute": 33}
